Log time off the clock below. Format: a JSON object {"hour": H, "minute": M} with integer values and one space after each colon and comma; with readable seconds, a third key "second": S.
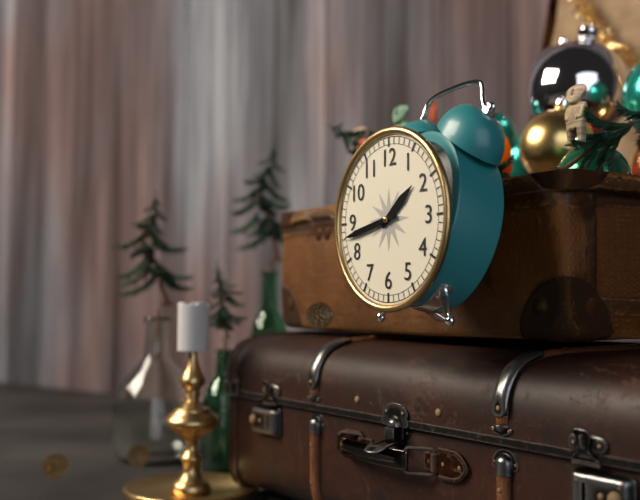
{"hour": 1, "minute": 43}
